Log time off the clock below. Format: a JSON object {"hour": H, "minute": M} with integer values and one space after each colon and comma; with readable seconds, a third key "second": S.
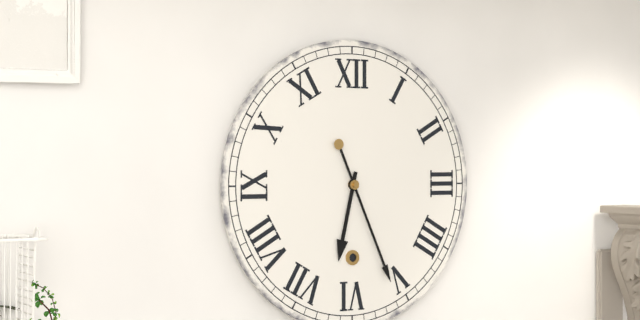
{"hour": 6, "minute": 26}
